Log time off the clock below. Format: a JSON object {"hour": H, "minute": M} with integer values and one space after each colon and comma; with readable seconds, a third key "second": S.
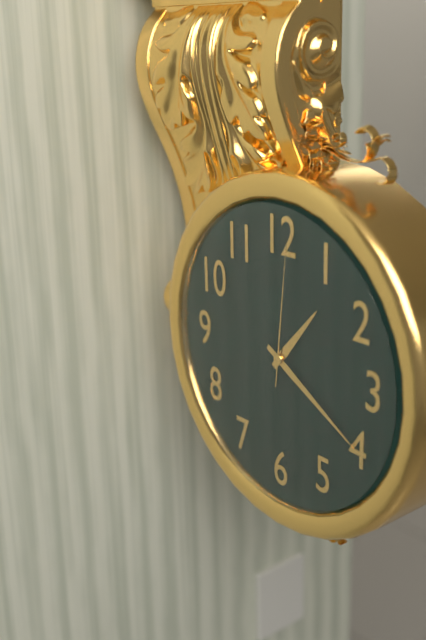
{"hour": 1, "minute": 20, "second": 1}
